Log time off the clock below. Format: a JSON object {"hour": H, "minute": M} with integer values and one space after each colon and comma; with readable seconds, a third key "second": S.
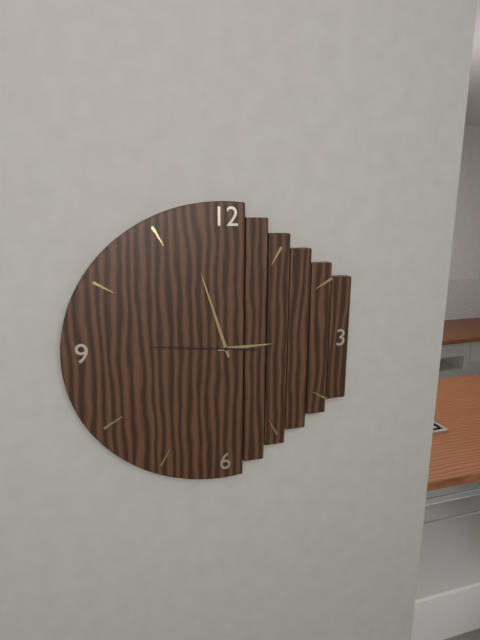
{"hour": 2, "minute": 57, "second": 46}
